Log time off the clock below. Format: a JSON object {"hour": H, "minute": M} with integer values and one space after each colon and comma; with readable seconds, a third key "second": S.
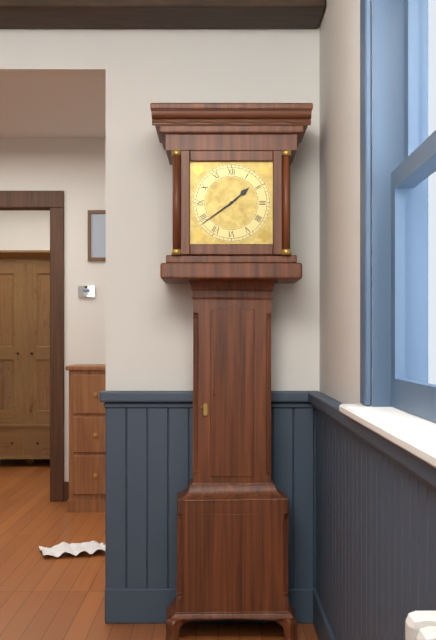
{"hour": 1, "minute": 39}
